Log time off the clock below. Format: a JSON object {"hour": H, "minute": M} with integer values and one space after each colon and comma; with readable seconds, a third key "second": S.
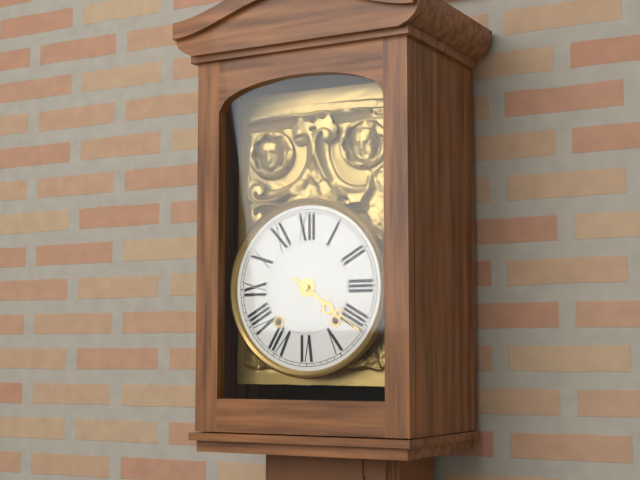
{"hour": 4, "minute": 21}
